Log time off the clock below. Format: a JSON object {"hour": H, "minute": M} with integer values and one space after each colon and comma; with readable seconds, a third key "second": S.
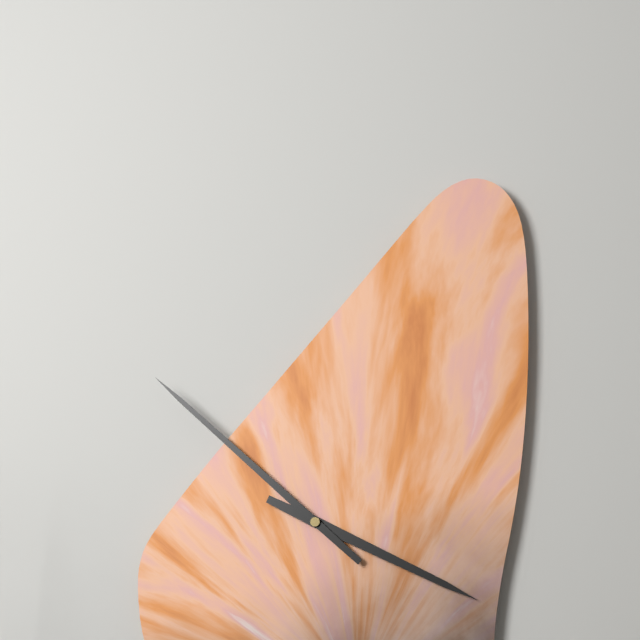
{"hour": 3, "minute": 52}
